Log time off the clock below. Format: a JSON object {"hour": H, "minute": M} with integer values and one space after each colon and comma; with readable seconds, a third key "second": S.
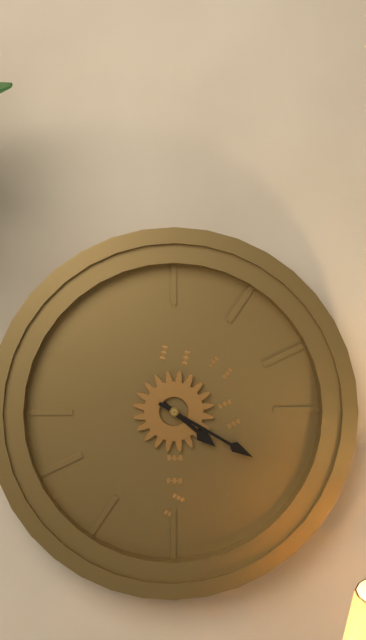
{"hour": 4, "minute": 20}
